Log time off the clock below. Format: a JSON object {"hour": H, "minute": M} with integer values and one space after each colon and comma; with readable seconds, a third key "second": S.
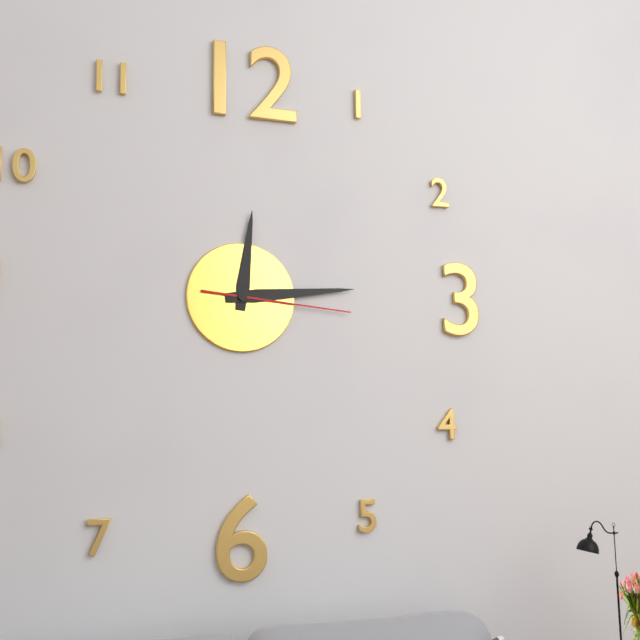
{"hour": 12, "minute": 14, "second": 16}
